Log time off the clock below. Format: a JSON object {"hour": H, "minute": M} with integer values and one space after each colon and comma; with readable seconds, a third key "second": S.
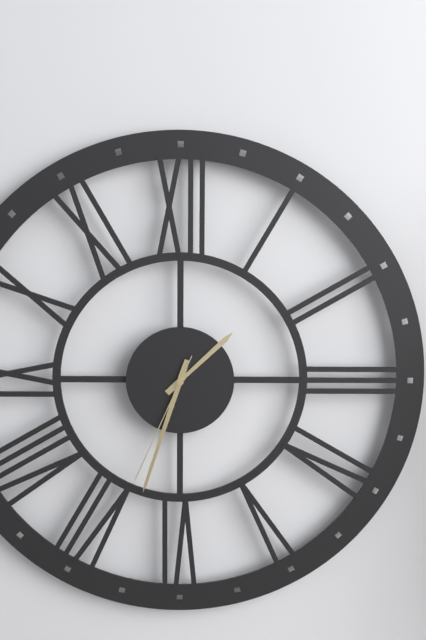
{"hour": 1, "minute": 33, "second": 34}
